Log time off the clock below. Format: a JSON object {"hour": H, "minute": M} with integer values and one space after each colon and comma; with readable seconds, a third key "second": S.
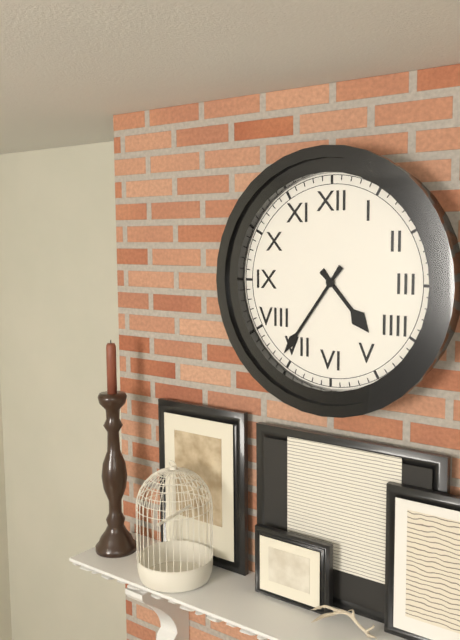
{"hour": 4, "minute": 36}
